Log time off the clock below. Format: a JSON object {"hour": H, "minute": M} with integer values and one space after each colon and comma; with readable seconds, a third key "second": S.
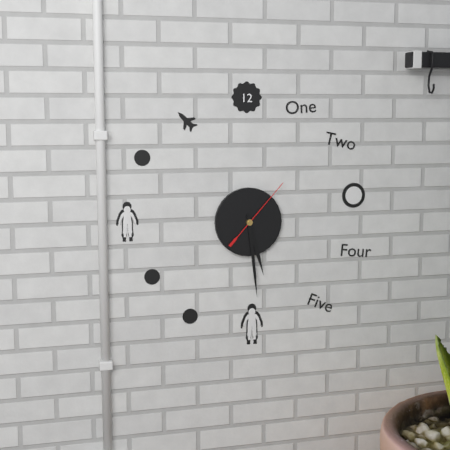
{"hour": 5, "minute": 29, "second": 7}
